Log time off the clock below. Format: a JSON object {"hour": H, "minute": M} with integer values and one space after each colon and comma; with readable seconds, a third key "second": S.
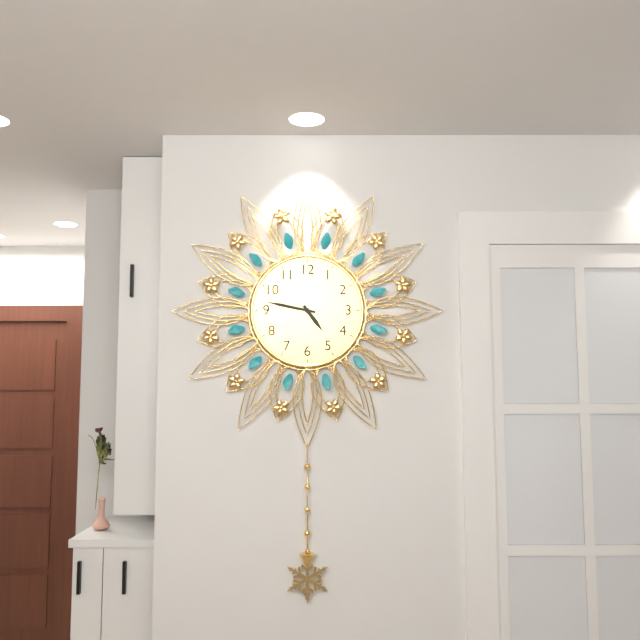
{"hour": 4, "minute": 47}
